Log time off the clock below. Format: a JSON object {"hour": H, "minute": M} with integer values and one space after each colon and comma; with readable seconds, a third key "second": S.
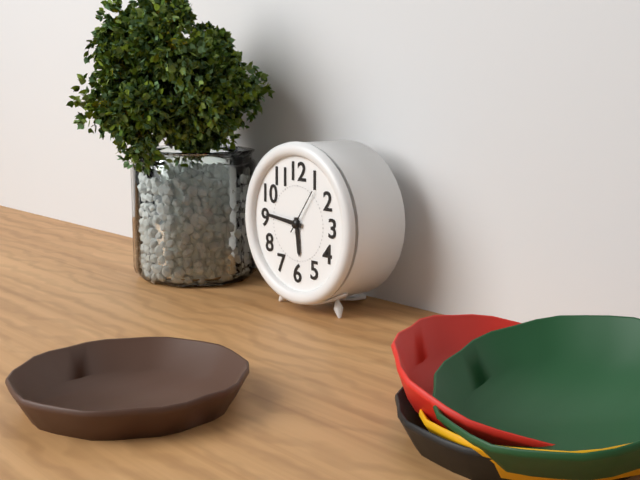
{"hour": 5, "minute": 46}
